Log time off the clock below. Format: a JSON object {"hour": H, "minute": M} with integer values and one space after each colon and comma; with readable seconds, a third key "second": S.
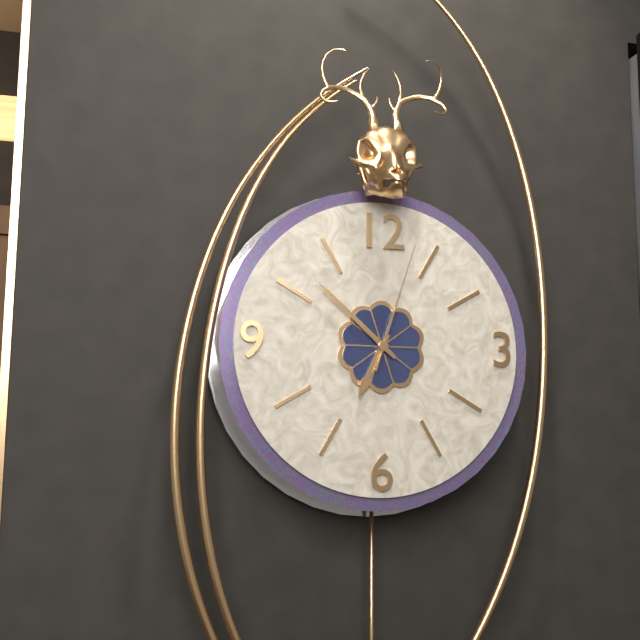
{"hour": 6, "minute": 52, "second": 3}
